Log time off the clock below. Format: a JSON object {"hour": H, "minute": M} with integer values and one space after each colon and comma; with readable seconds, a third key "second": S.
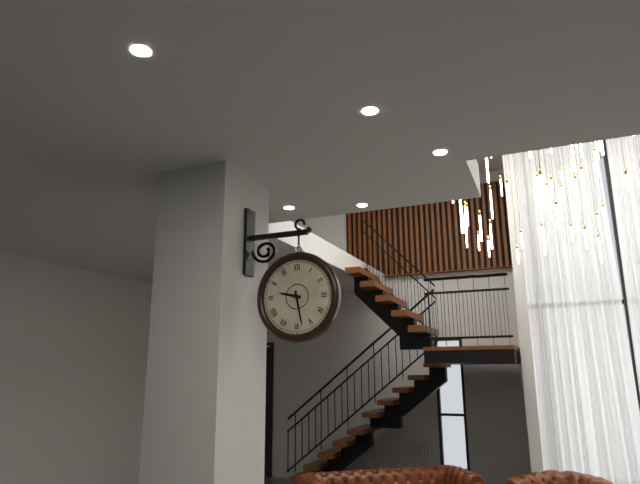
{"hour": 9, "minute": 28}
